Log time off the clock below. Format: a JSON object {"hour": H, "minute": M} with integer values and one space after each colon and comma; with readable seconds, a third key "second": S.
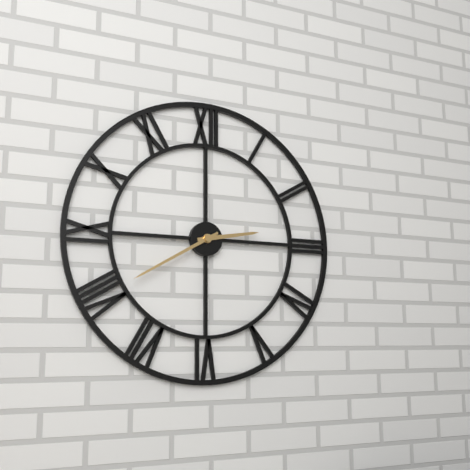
{"hour": 2, "minute": 40}
